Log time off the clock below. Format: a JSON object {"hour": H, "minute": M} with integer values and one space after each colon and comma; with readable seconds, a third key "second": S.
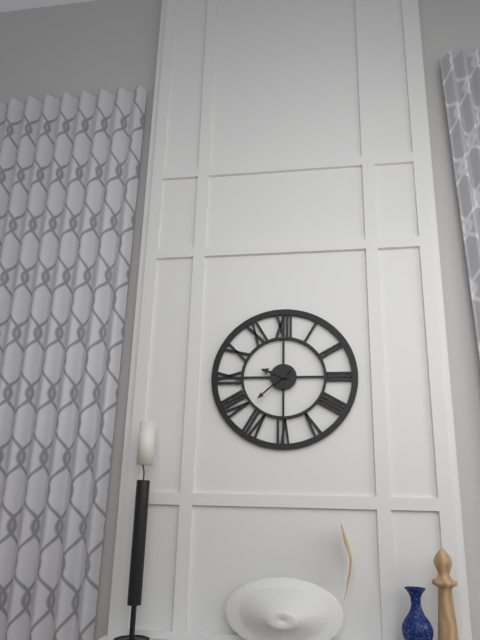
{"hour": 9, "minute": 38}
